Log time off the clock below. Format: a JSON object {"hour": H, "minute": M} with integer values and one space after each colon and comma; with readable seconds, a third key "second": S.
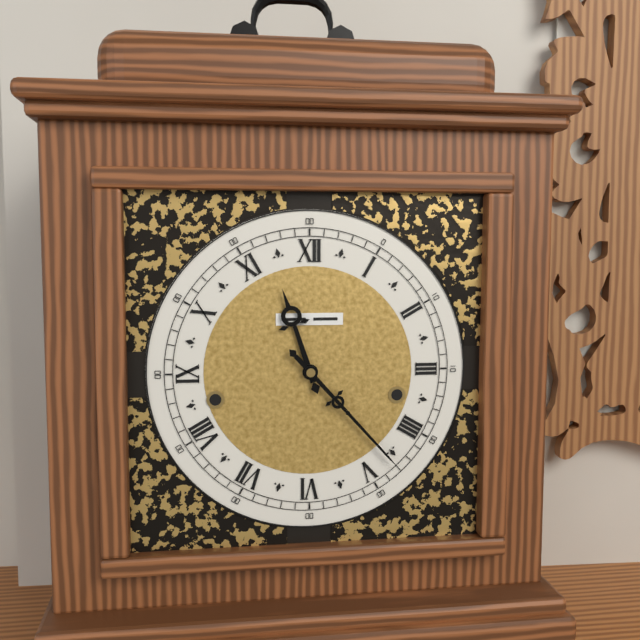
{"hour": 11, "minute": 23}
